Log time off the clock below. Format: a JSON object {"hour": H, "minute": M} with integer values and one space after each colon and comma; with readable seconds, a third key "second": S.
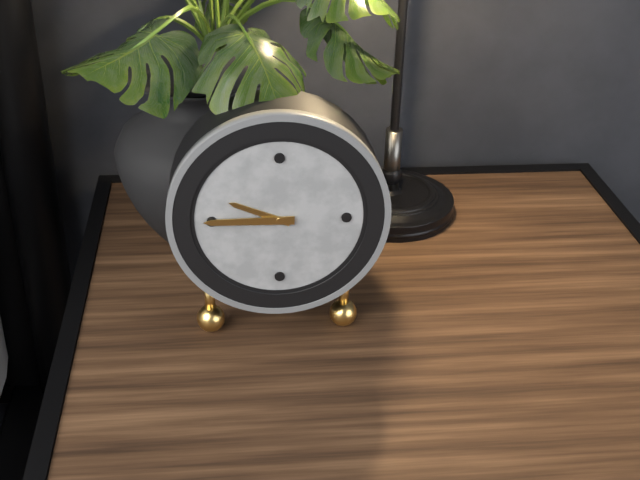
{"hour": 9, "minute": 45}
